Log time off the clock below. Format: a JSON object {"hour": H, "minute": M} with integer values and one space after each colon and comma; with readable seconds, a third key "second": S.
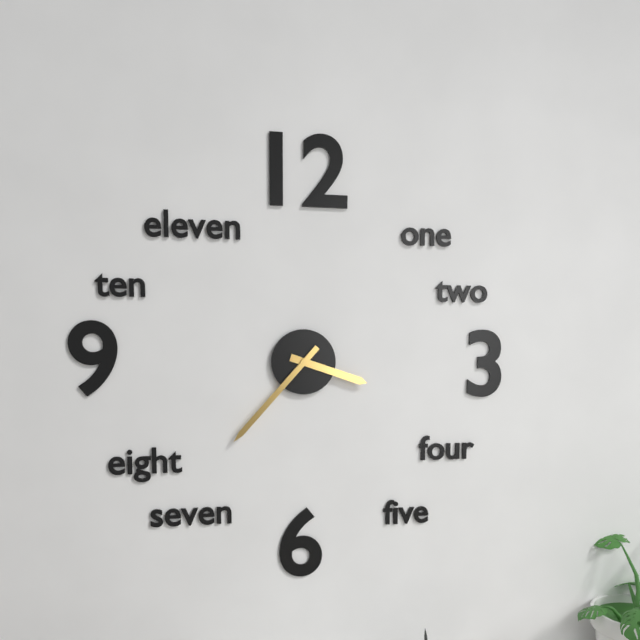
{"hour": 3, "minute": 37}
